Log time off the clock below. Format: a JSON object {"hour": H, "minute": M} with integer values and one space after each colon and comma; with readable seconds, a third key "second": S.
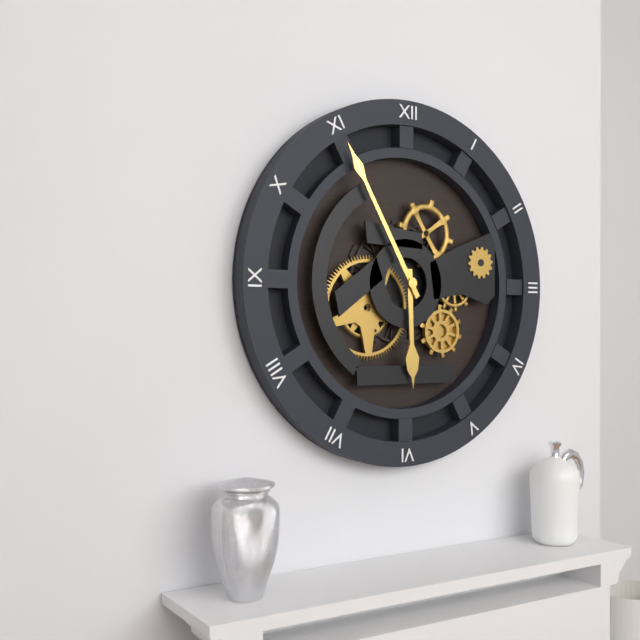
{"hour": 5, "minute": 55}
